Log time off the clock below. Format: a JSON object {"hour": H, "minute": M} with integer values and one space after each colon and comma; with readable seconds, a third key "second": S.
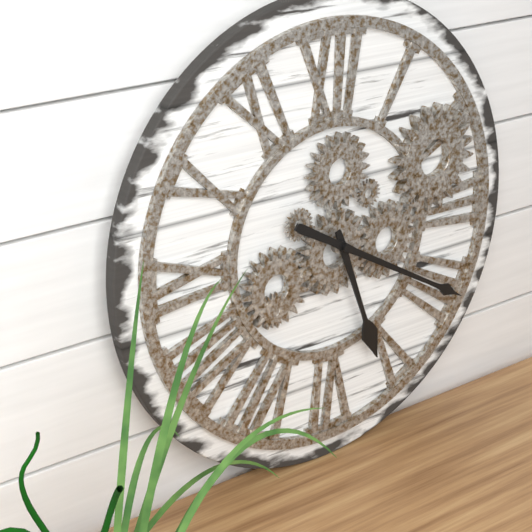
{"hour": 5, "minute": 20}
